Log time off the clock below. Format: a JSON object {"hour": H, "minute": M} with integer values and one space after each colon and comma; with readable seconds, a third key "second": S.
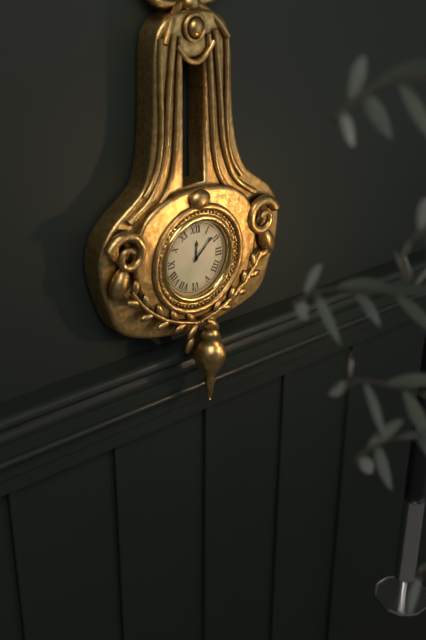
{"hour": 12, "minute": 8}
